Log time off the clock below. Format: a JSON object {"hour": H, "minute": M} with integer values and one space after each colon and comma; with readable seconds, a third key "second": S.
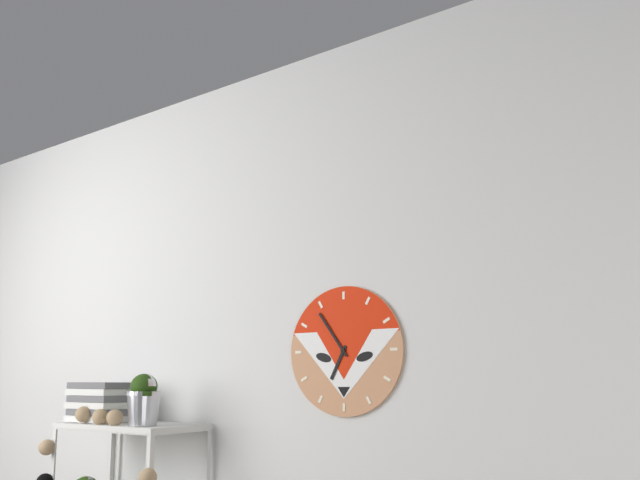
{"hour": 6, "minute": 54}
